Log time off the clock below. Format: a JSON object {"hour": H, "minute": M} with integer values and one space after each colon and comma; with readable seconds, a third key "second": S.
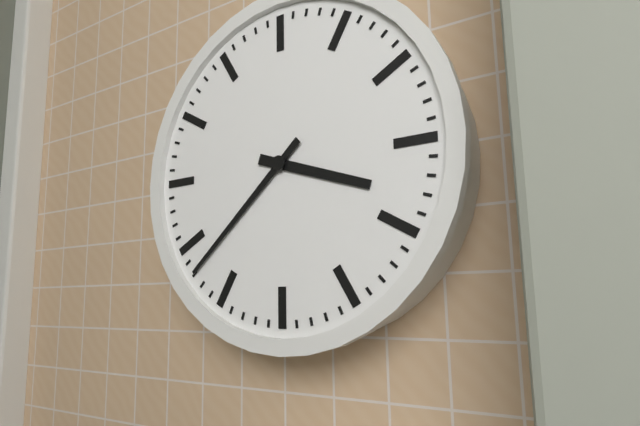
{"hour": 3, "minute": 38}
